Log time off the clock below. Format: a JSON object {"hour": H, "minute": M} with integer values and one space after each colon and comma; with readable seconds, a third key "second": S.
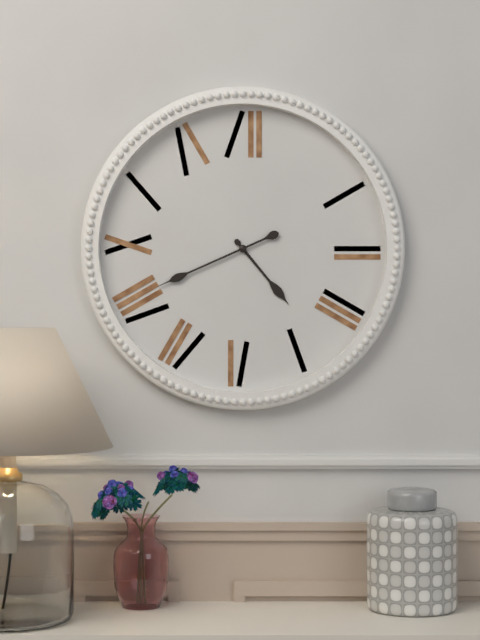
{"hour": 4, "minute": 41}
